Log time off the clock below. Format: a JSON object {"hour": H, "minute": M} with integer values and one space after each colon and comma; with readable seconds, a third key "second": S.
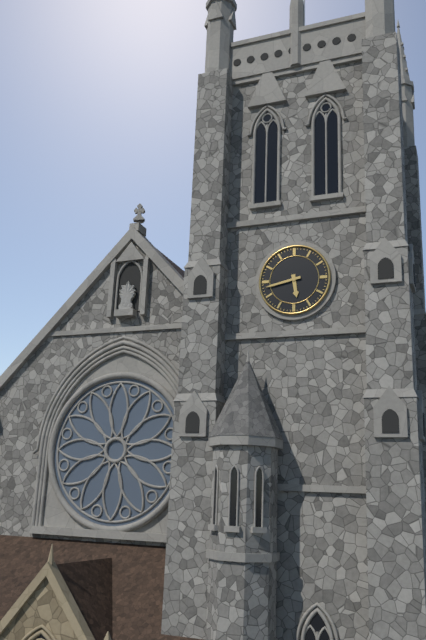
{"hour": 5, "minute": 43}
